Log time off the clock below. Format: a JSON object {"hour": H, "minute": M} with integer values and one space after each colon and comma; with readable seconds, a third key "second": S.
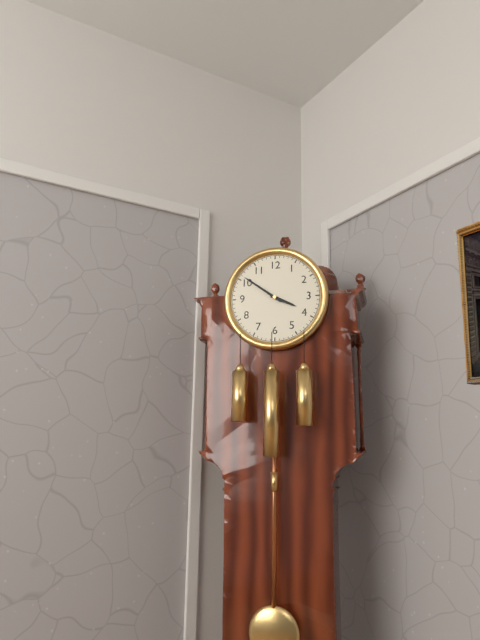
{"hour": 3, "minute": 51}
